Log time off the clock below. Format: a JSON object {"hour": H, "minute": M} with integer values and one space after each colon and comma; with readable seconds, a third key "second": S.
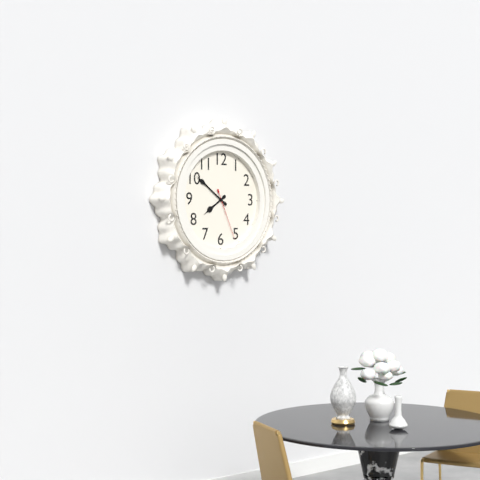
{"hour": 7, "minute": 51, "second": 26}
